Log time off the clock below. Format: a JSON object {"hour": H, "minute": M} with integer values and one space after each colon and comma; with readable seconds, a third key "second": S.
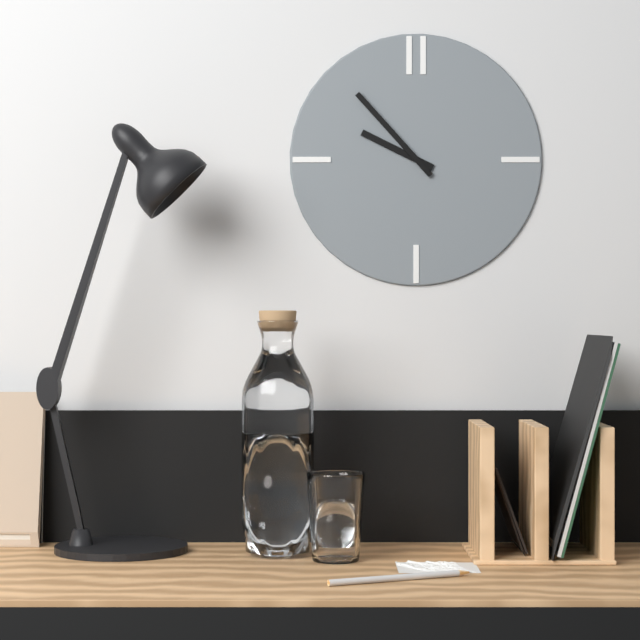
{"hour": 9, "minute": 53}
